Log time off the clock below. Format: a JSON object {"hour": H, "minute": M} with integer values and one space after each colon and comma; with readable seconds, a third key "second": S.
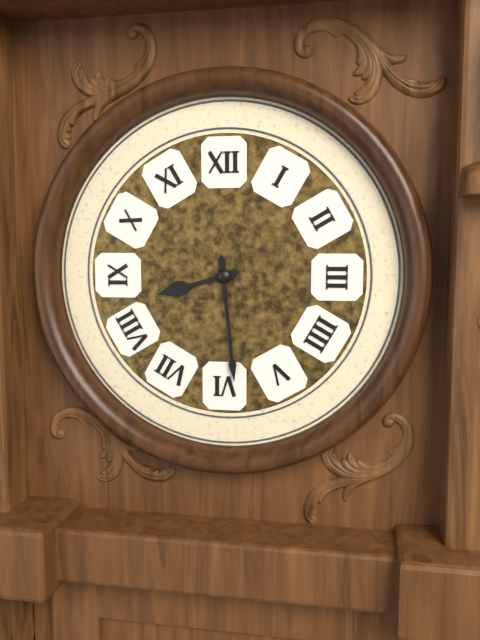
{"hour": 8, "minute": 29}
